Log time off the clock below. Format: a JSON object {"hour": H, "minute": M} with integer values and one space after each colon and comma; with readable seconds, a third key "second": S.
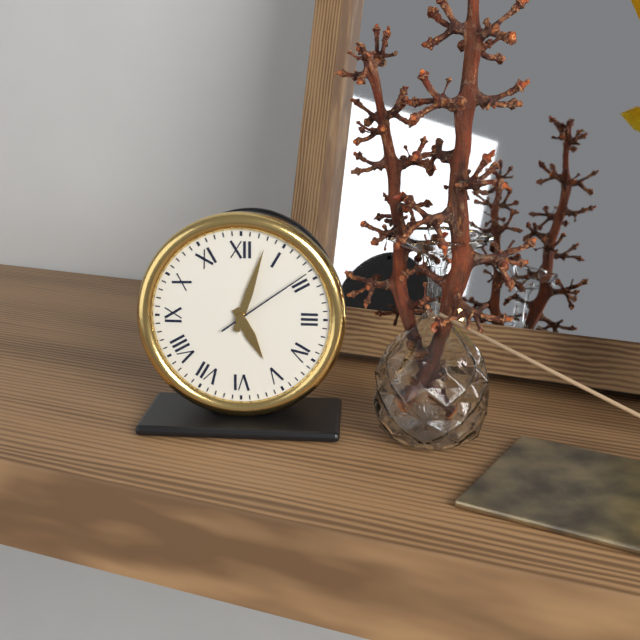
{"hour": 5, "minute": 3, "second": 9}
